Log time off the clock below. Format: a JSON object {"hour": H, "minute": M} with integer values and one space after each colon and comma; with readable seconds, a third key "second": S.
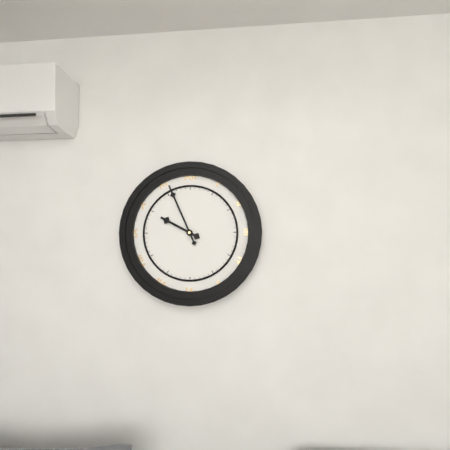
{"hour": 9, "minute": 56}
